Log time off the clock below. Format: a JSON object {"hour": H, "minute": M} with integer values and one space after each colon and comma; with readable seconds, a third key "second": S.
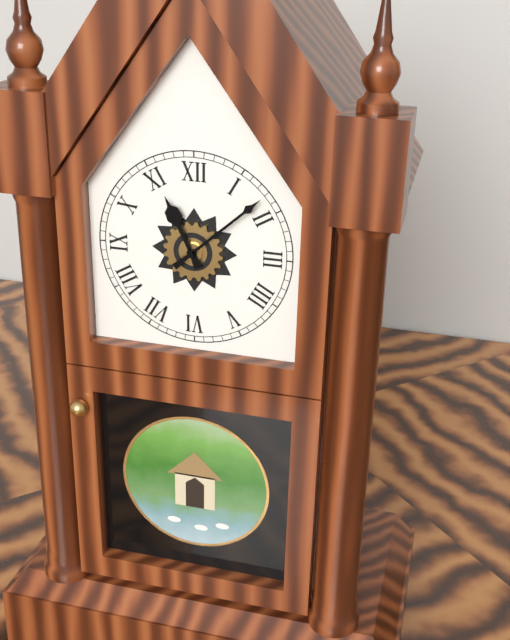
{"hour": 11, "minute": 8}
